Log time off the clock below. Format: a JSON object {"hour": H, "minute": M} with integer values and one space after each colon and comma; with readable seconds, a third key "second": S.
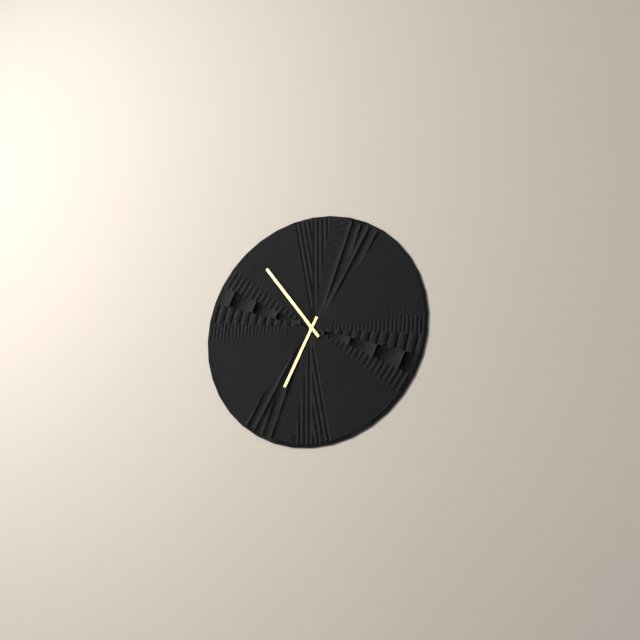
{"hour": 6, "minute": 54}
